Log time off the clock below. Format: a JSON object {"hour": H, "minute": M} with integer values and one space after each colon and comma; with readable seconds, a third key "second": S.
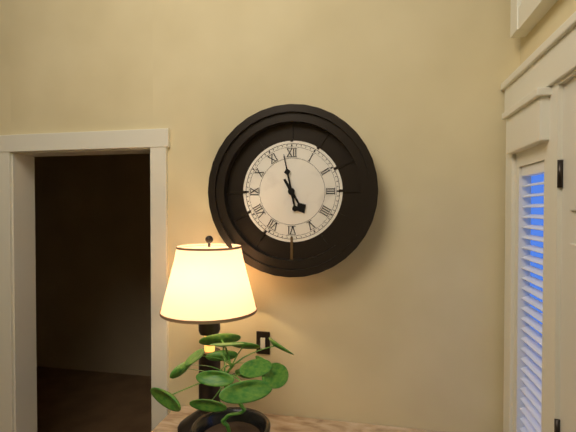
{"hour": 4, "minute": 58}
